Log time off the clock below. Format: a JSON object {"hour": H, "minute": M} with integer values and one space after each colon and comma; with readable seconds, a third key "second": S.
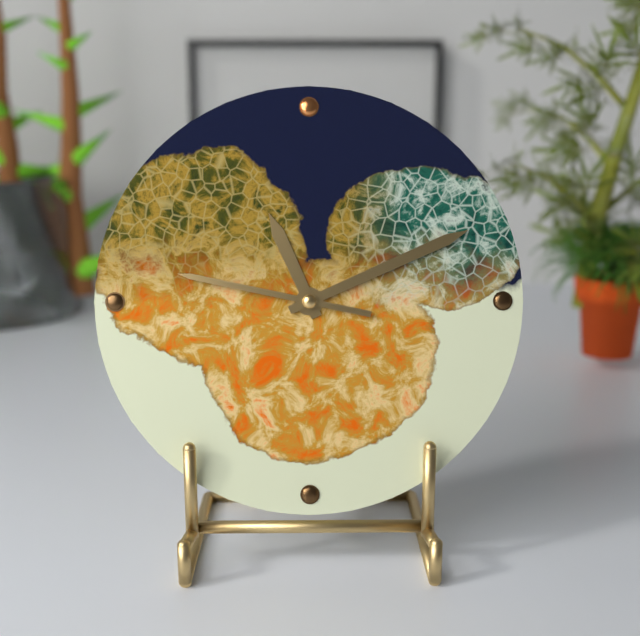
{"hour": 11, "minute": 11, "second": 47}
